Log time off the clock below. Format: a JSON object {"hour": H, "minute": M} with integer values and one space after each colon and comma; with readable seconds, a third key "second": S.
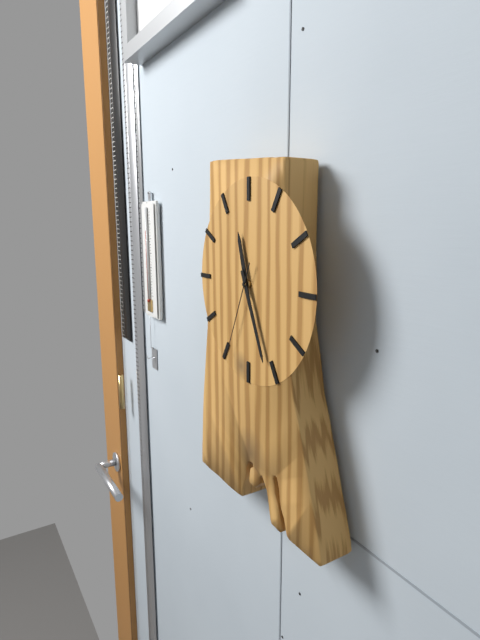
{"hour": 11, "minute": 26, "second": 34}
